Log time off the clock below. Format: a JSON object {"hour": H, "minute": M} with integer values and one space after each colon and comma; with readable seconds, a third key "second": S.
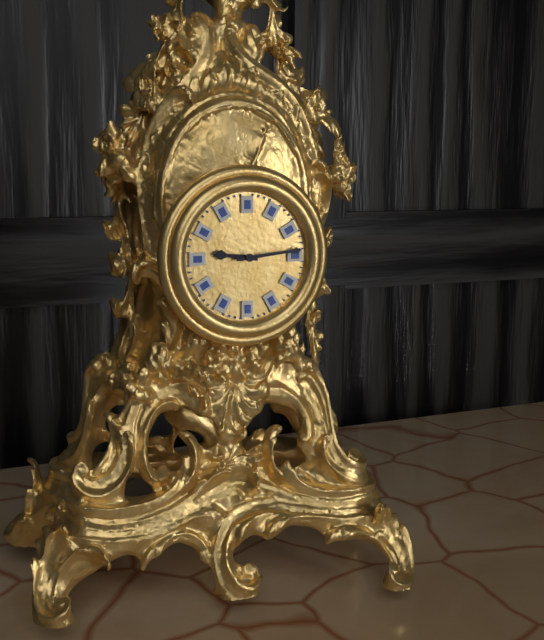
{"hour": 9, "minute": 14}
